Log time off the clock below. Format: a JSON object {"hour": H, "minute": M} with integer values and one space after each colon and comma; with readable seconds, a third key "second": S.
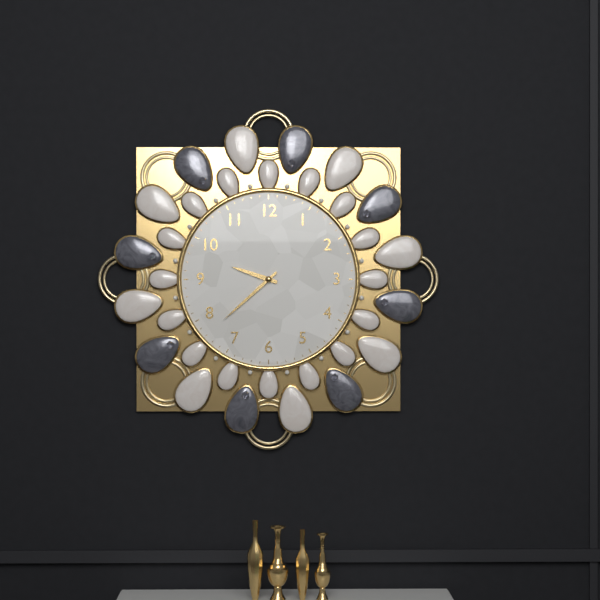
{"hour": 9, "minute": 38}
